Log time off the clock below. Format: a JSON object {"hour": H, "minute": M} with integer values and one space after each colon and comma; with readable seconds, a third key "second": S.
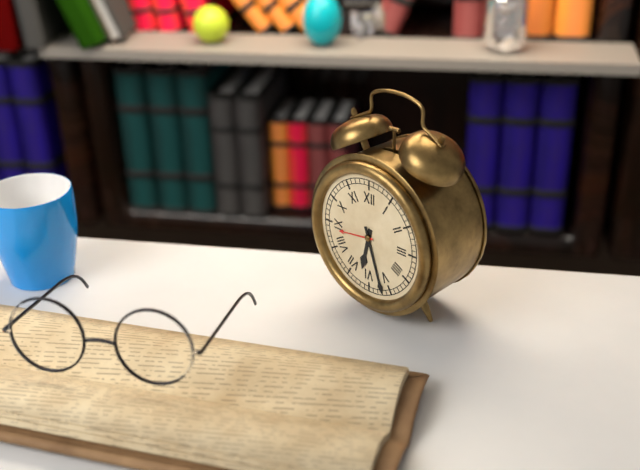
{"hour": 6, "minute": 27}
